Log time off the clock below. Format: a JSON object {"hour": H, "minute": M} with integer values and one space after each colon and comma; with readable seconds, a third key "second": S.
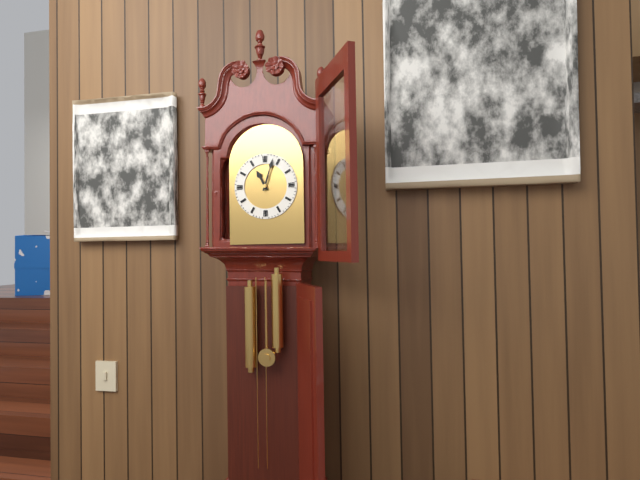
{"hour": 11, "minute": 3}
